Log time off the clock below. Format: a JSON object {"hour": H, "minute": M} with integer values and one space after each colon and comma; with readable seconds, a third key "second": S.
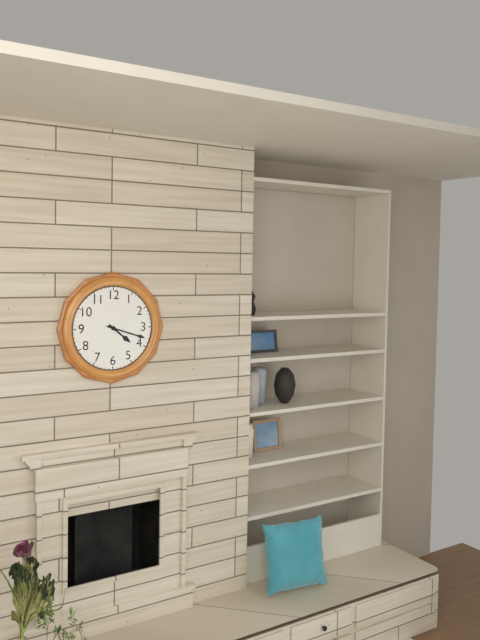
{"hour": 4, "minute": 18}
